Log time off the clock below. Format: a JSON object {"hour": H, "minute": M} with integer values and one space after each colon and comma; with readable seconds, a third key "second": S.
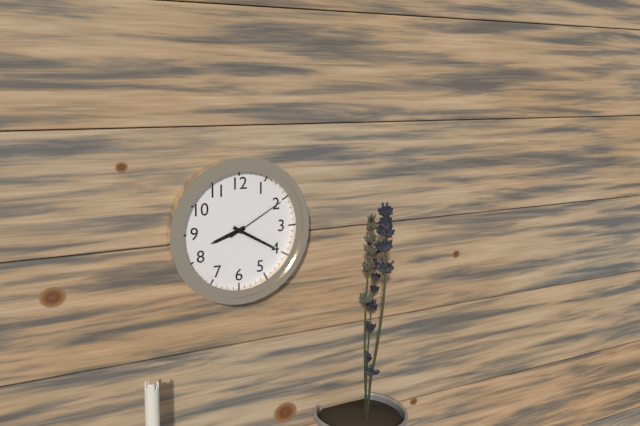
{"hour": 8, "minute": 20, "second": 10}
